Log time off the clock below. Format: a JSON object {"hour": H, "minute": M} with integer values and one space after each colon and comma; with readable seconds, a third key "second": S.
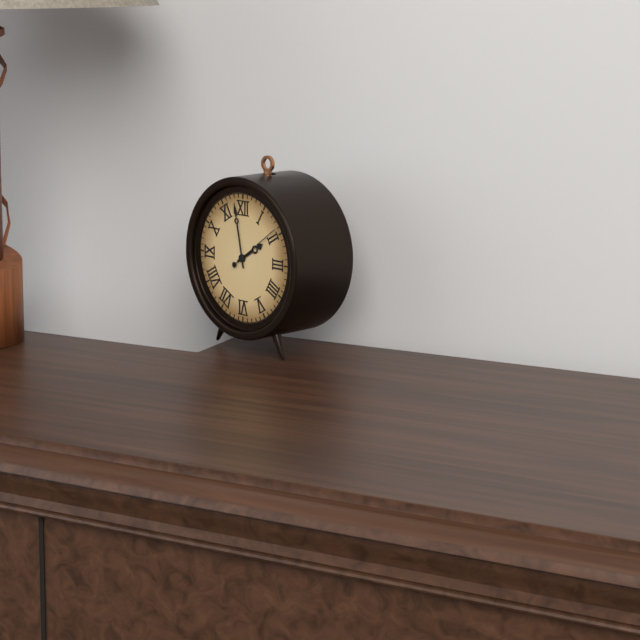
{"hour": 1, "minute": 58, "second": 9}
